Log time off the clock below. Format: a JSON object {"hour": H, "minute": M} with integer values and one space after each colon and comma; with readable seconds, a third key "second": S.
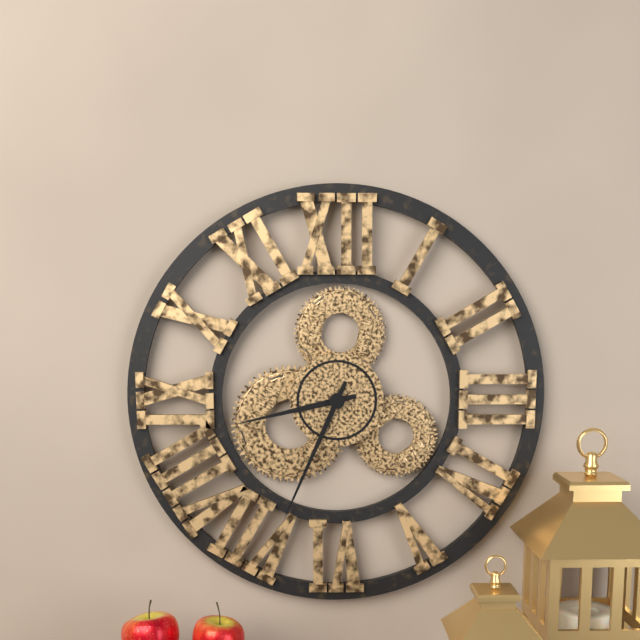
{"hour": 8, "minute": 34}
